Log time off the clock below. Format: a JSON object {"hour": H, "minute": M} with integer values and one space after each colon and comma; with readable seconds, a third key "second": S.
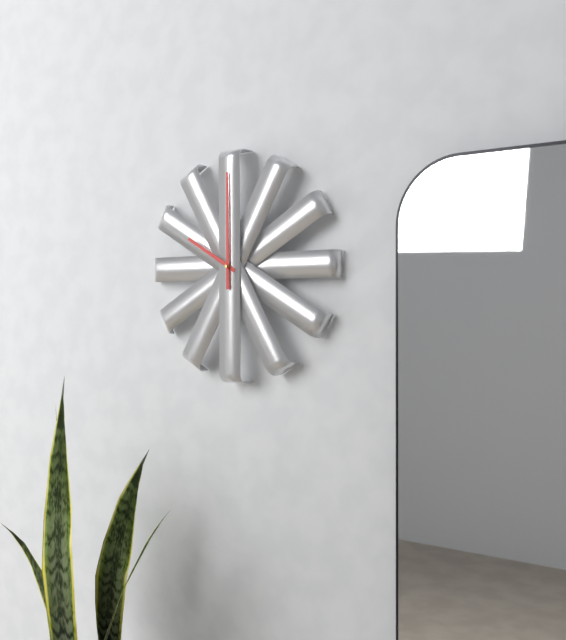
{"hour": 10, "minute": 0}
